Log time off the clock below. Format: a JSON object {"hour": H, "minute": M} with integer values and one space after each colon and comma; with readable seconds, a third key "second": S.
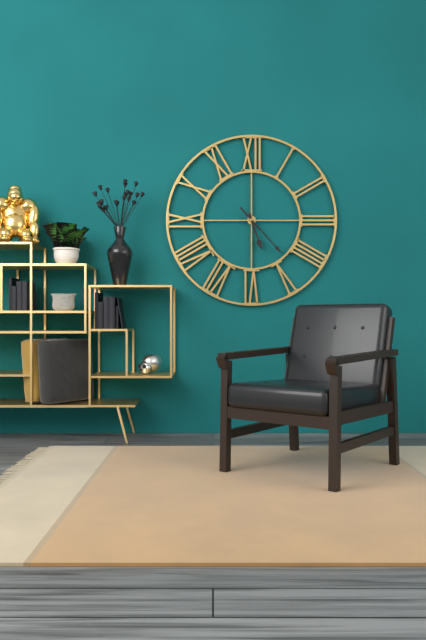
{"hour": 5, "minute": 23}
